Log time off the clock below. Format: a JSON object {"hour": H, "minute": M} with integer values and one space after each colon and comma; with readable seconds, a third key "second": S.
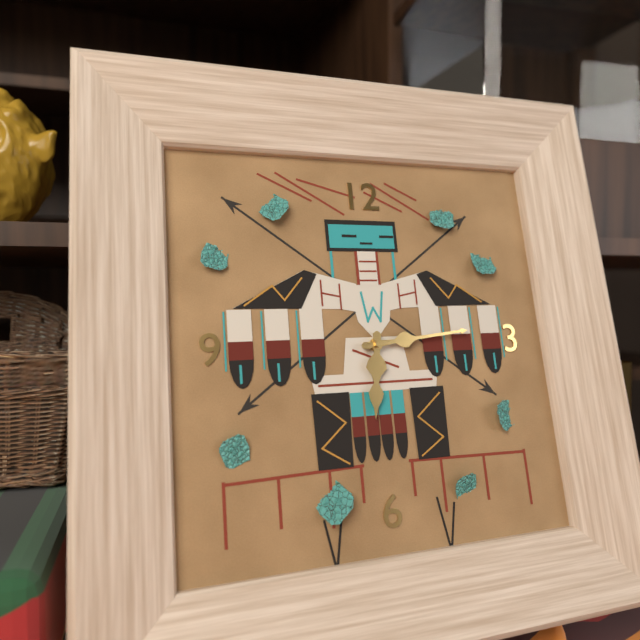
{"hour": 6, "minute": 14}
